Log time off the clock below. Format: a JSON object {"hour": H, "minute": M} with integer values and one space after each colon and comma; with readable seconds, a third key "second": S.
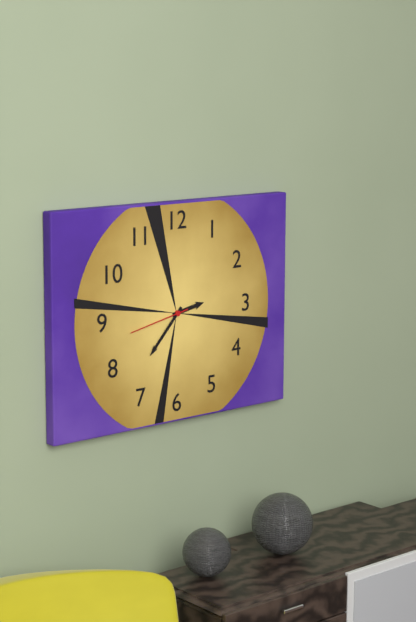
{"hour": 2, "minute": 37, "second": 43}
